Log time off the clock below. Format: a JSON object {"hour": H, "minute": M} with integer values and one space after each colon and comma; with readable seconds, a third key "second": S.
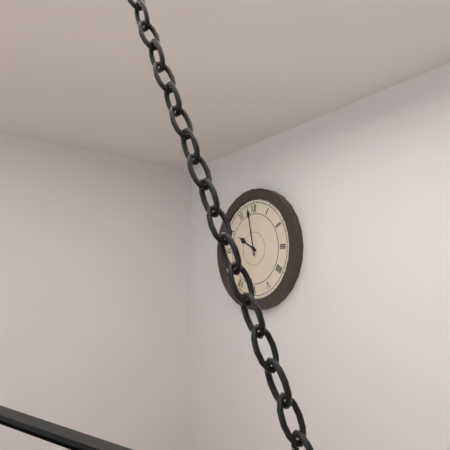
{"hour": 9, "minute": 58}
